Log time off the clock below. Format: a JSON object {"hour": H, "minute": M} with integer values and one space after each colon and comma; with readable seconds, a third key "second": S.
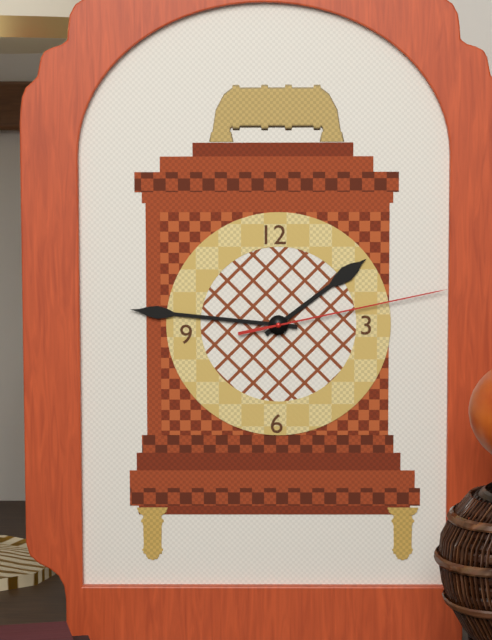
{"hour": 1, "minute": 46, "second": 13}
